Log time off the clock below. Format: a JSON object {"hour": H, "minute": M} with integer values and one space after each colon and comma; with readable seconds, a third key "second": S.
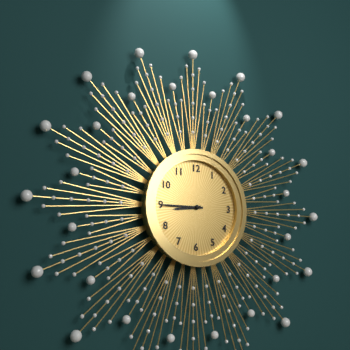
{"hour": 8, "minute": 45}
